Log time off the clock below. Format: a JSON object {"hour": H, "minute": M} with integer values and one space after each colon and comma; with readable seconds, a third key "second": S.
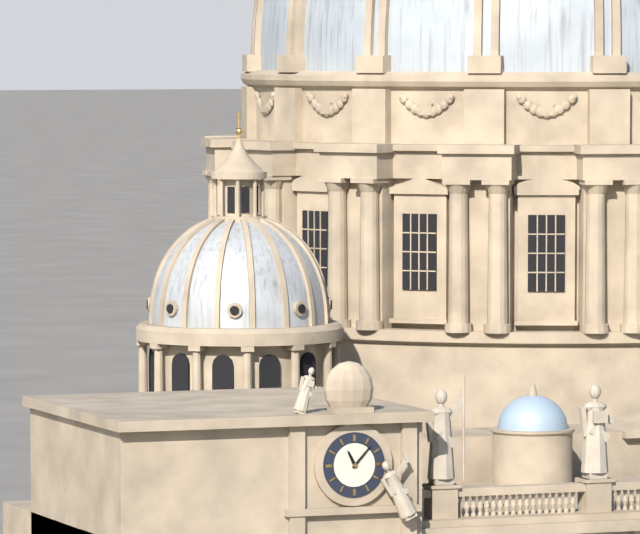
{"hour": 11, "minute": 7}
